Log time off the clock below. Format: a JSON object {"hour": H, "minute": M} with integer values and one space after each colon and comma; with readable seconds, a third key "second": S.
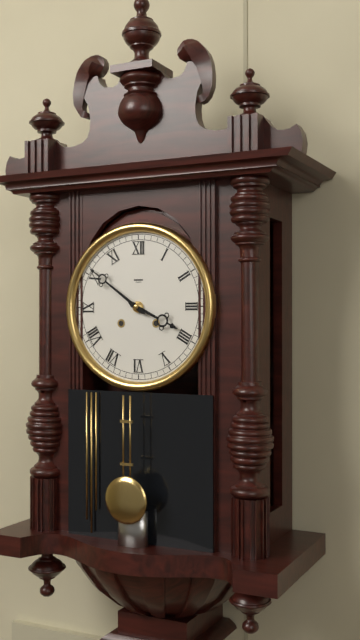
{"hour": 3, "minute": 51}
